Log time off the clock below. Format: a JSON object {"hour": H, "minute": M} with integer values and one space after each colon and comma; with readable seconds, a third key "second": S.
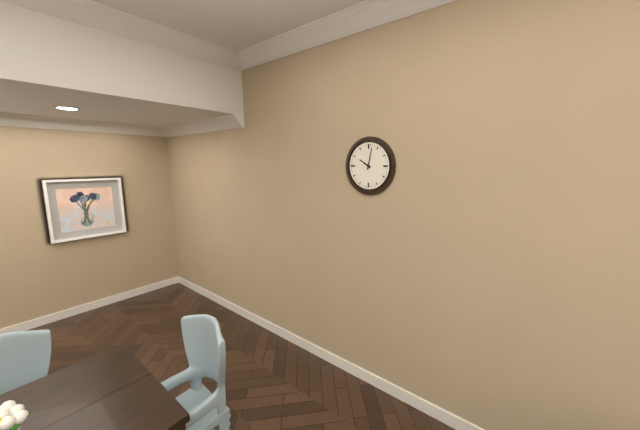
{"hour": 10, "minute": 2}
